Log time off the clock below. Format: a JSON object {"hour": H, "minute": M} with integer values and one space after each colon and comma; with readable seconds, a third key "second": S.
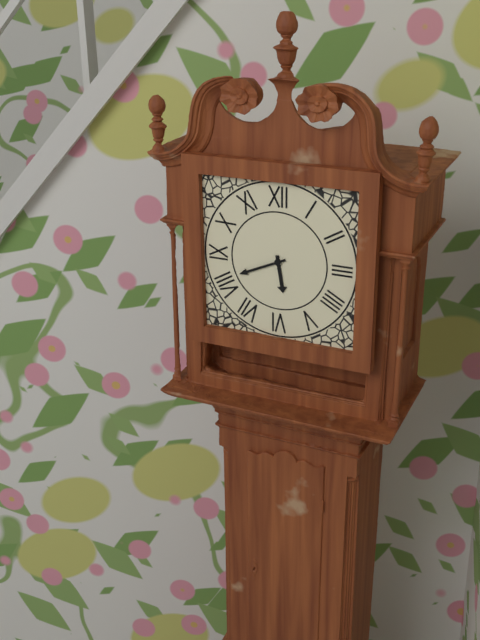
{"hour": 5, "minute": 41}
